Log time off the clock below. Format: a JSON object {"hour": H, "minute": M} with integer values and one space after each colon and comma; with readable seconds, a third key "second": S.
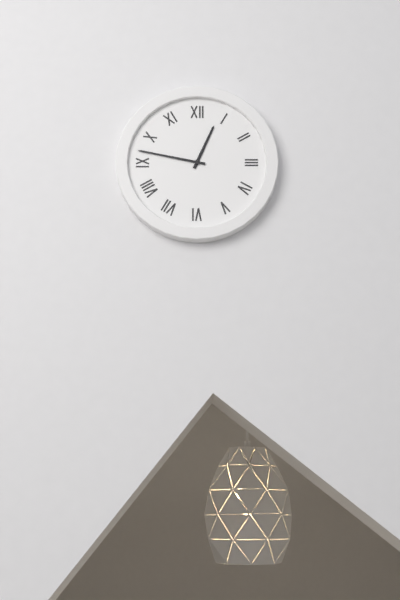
{"hour": 12, "minute": 47}
